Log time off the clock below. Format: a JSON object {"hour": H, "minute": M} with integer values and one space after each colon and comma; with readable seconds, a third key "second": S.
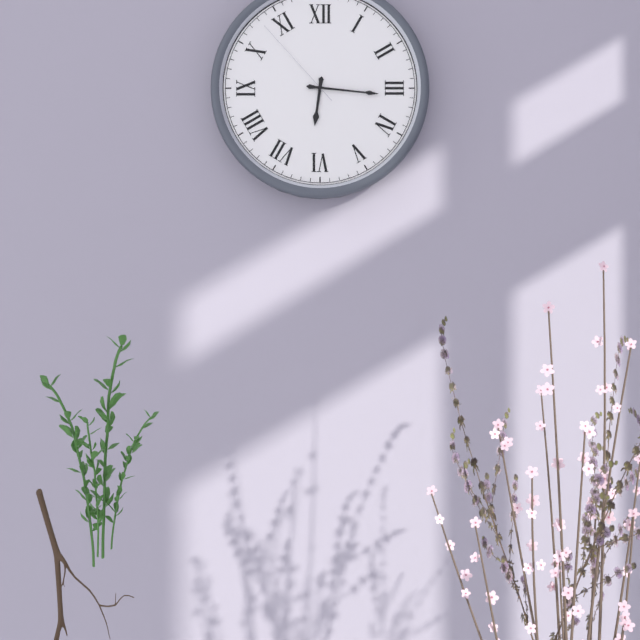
{"hour": 6, "minute": 16, "second": 53}
